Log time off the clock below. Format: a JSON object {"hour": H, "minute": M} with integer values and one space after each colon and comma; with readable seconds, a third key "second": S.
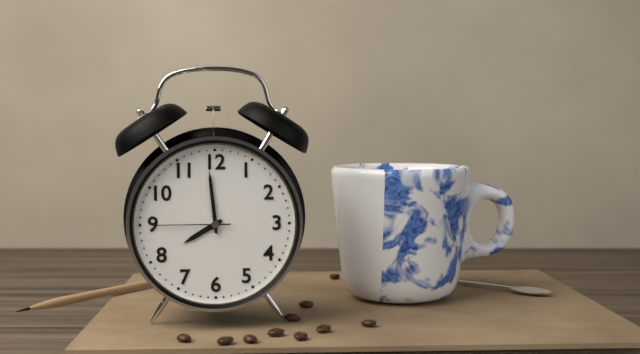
{"hour": 7, "minute": 59, "second": 45}
